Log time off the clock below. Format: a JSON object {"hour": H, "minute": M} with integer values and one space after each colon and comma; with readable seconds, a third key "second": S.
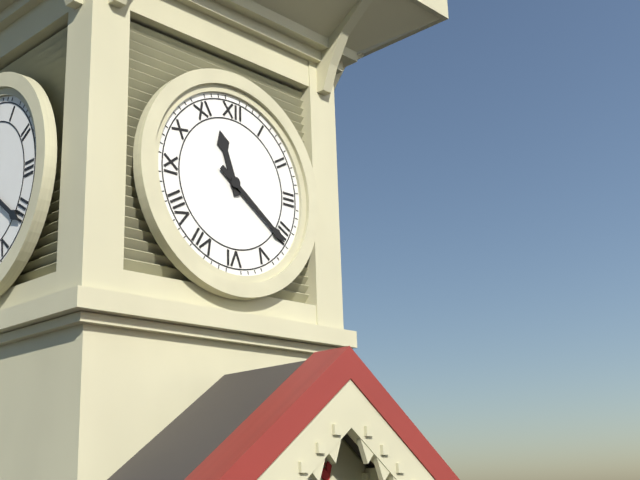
{"hour": 11, "minute": 21}
